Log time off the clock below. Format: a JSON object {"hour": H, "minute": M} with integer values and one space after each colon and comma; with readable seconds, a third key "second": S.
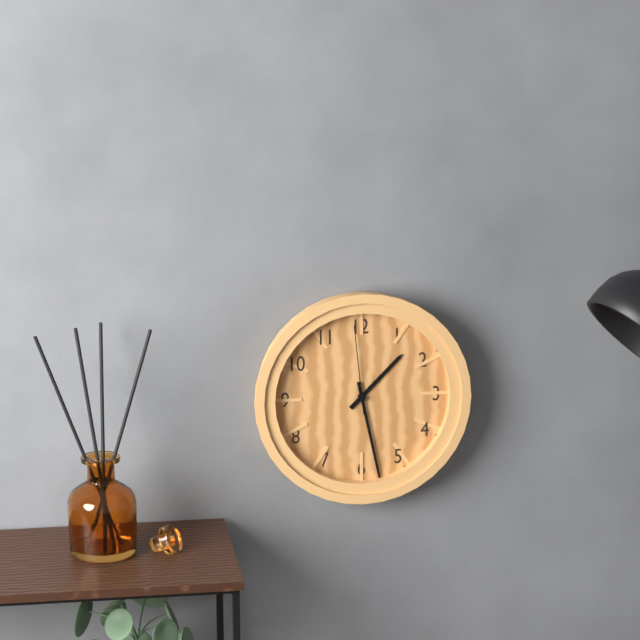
{"hour": 1, "minute": 28, "second": 59}
